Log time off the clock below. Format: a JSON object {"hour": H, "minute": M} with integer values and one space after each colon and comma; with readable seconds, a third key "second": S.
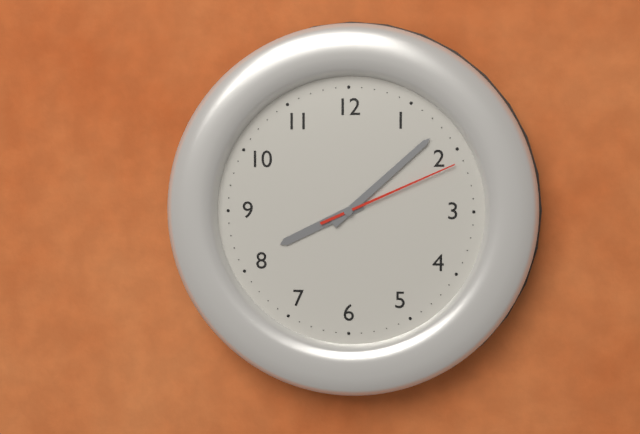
{"hour": 8, "minute": 8, "second": 11}
